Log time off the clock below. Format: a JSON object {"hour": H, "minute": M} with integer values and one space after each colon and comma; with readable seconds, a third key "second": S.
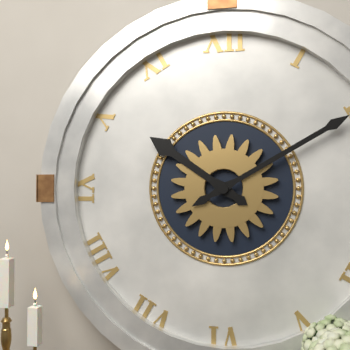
{"hour": 10, "minute": 10}
